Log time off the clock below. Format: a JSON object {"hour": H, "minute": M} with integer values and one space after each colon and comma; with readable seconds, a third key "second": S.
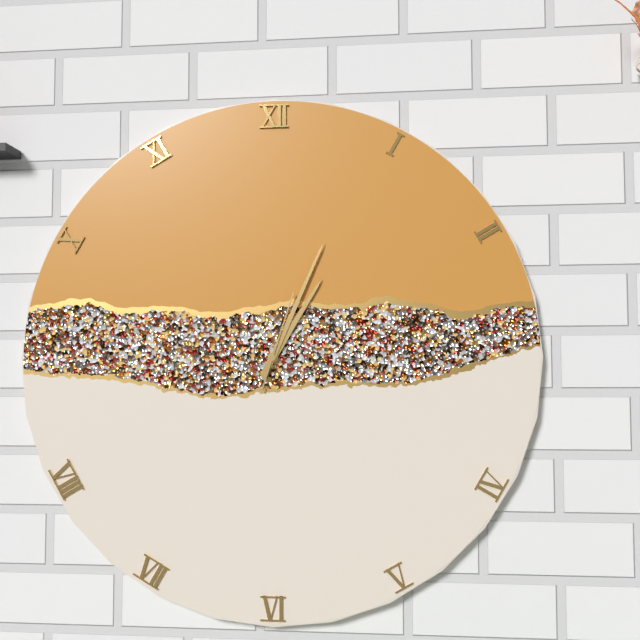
{"hour": 1, "minute": 4, "second": 3}
